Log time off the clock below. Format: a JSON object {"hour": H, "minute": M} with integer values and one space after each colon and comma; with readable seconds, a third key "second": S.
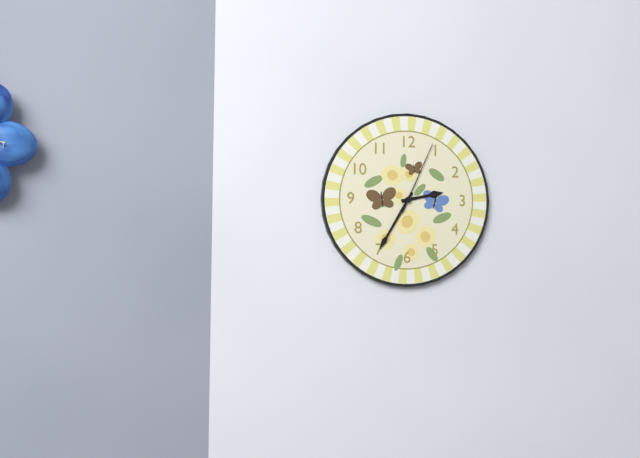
{"hour": 2, "minute": 35, "second": 4}
